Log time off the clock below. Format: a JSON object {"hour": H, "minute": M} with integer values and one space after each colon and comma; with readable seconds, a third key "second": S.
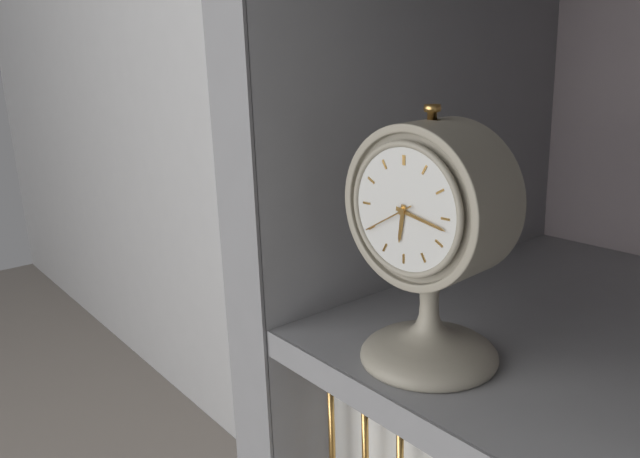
{"hour": 6, "minute": 17, "second": 40}
